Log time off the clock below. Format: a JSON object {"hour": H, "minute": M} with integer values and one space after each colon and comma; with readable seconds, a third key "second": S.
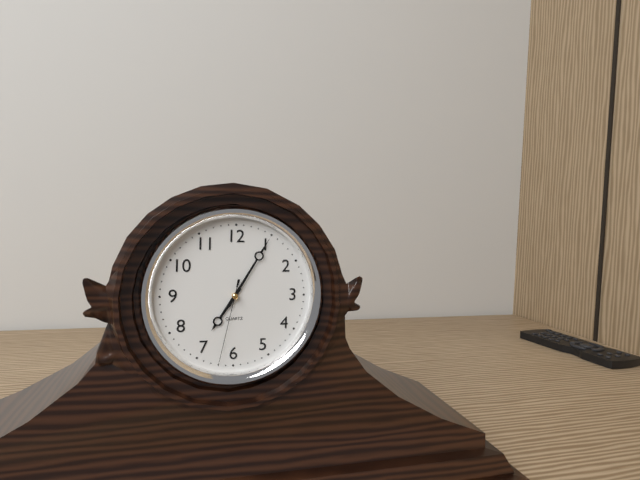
{"hour": 7, "minute": 5, "second": 32}
